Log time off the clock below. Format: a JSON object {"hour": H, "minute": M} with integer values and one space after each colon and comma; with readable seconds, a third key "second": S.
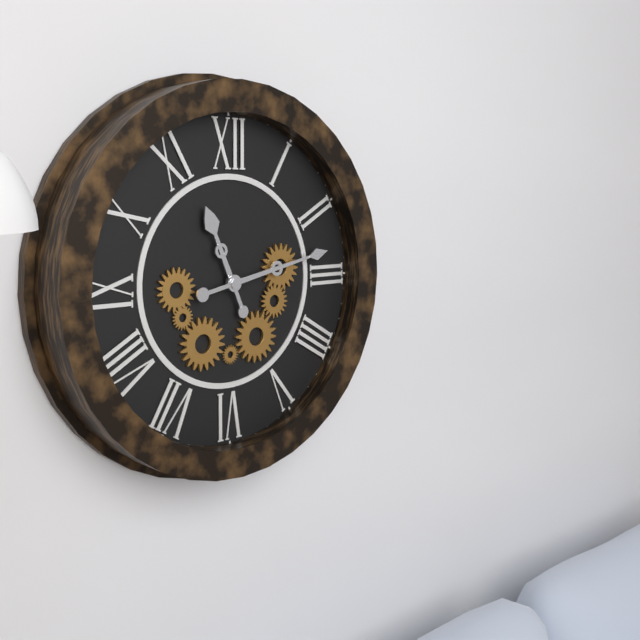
{"hour": 11, "minute": 13}
